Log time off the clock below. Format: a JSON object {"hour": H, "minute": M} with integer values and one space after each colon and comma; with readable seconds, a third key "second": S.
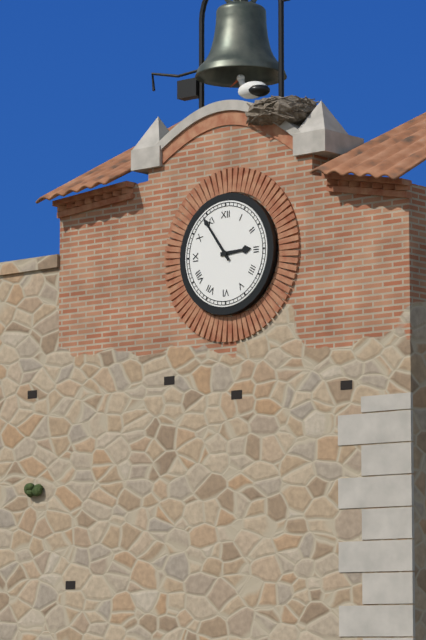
{"hour": 2, "minute": 54}
